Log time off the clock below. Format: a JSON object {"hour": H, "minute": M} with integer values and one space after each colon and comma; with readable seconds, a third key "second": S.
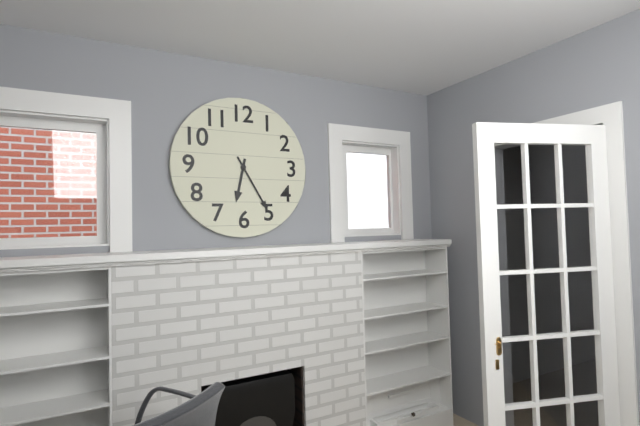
{"hour": 6, "minute": 25}
